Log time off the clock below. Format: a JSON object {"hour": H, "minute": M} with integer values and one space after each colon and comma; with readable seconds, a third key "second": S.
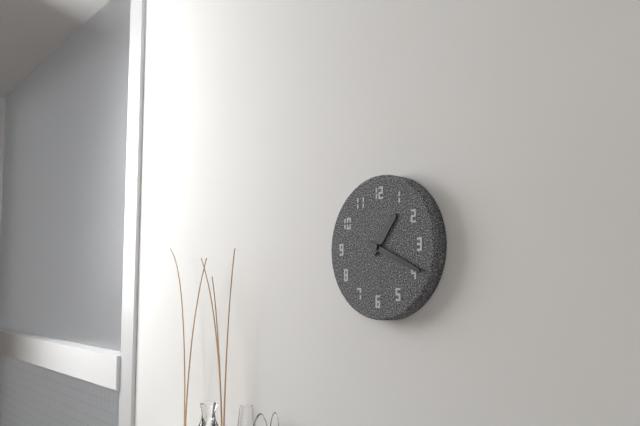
{"hour": 1, "minute": 19}
